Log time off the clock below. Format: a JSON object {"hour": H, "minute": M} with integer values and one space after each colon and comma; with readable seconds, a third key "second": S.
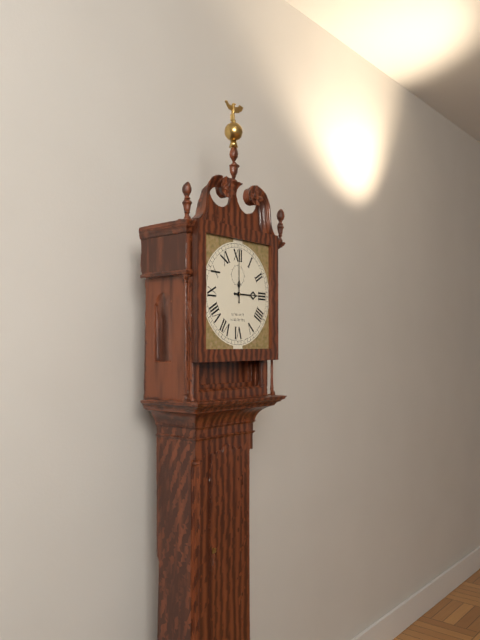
{"hour": 3, "minute": 0}
